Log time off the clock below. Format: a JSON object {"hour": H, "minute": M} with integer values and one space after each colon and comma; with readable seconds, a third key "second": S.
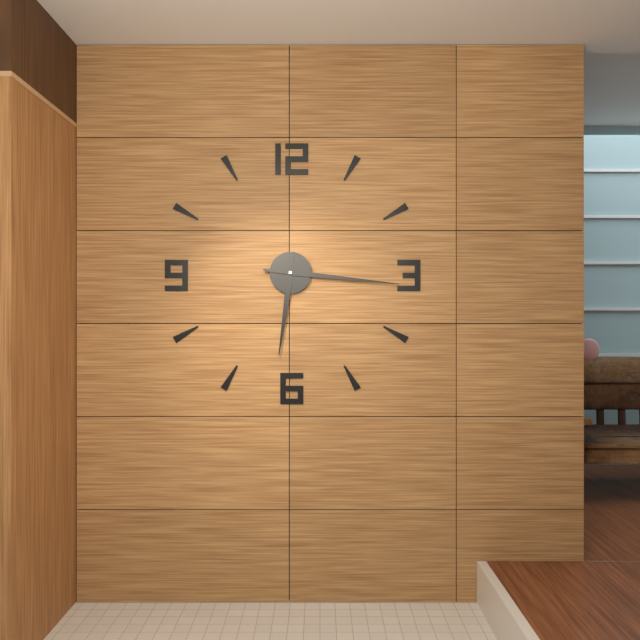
{"hour": 6, "minute": 16}
